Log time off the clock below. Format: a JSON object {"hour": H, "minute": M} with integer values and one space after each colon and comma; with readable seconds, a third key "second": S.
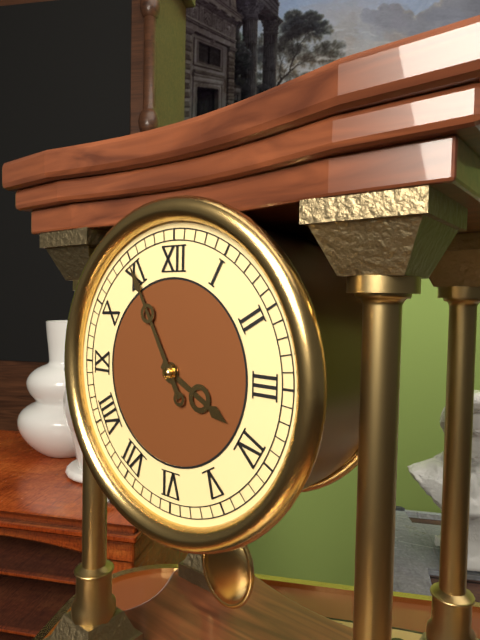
{"hour": 3, "minute": 55}
